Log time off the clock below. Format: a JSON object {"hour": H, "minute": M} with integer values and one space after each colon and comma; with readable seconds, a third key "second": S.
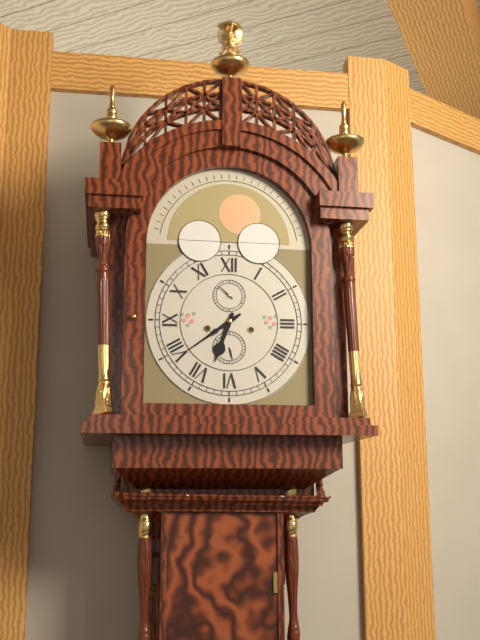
{"hour": 6, "minute": 39}
